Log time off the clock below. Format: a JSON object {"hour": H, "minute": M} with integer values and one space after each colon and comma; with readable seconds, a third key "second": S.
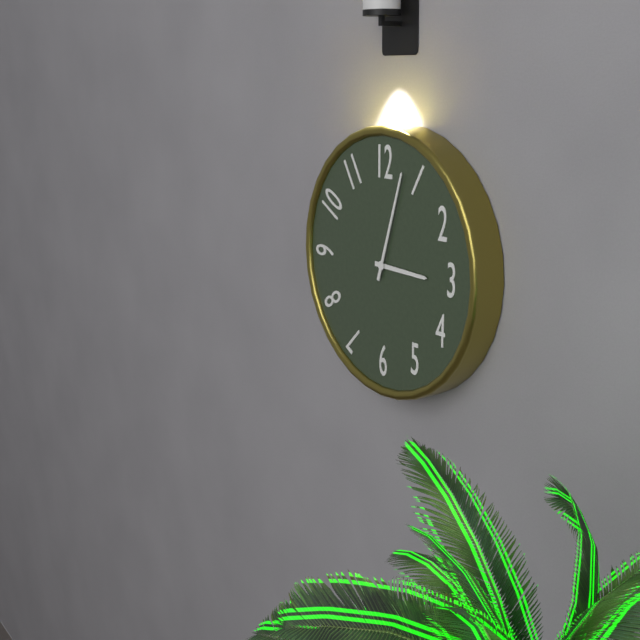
{"hour": 3, "minute": 3}
